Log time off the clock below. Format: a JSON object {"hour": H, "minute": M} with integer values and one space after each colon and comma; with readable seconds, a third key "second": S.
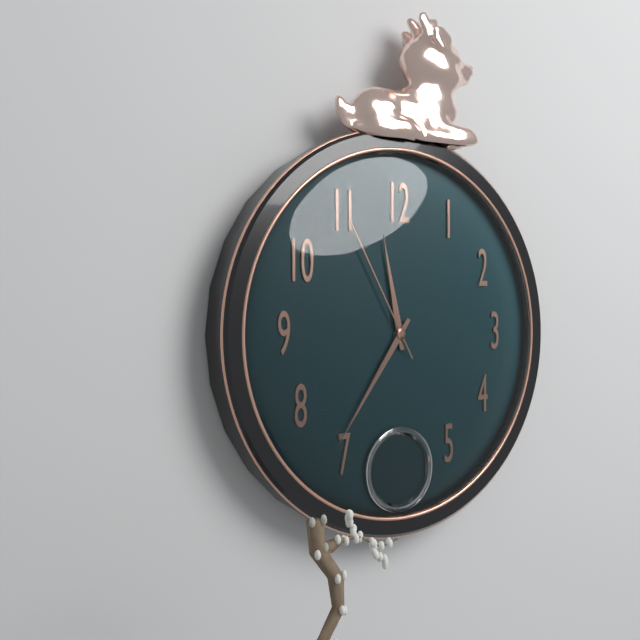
{"hour": 11, "minute": 36, "second": 55}
